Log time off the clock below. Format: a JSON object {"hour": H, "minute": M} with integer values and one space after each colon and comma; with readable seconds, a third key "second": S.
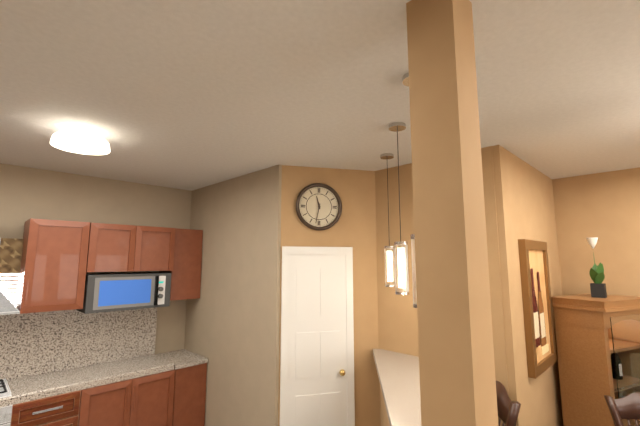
{"hour": 11, "minute": 32}
